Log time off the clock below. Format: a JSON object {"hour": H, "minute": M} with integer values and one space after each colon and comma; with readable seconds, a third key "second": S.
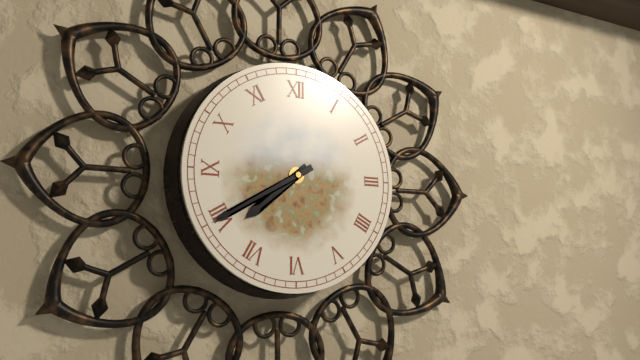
{"hour": 7, "minute": 40}
